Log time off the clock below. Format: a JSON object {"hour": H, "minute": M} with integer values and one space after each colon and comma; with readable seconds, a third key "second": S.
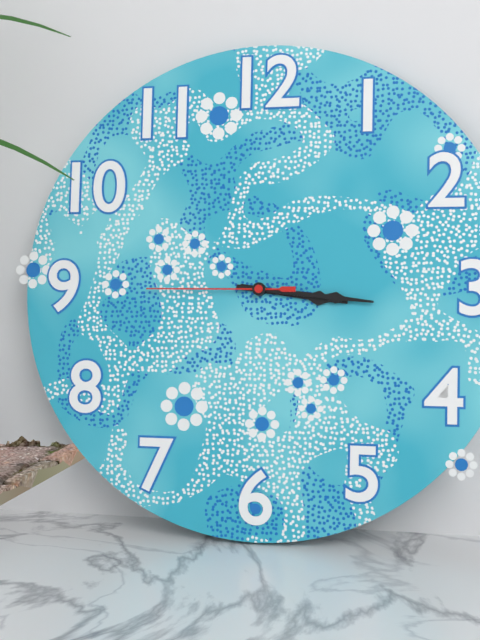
{"hour": 3, "minute": 16, "second": 45}
